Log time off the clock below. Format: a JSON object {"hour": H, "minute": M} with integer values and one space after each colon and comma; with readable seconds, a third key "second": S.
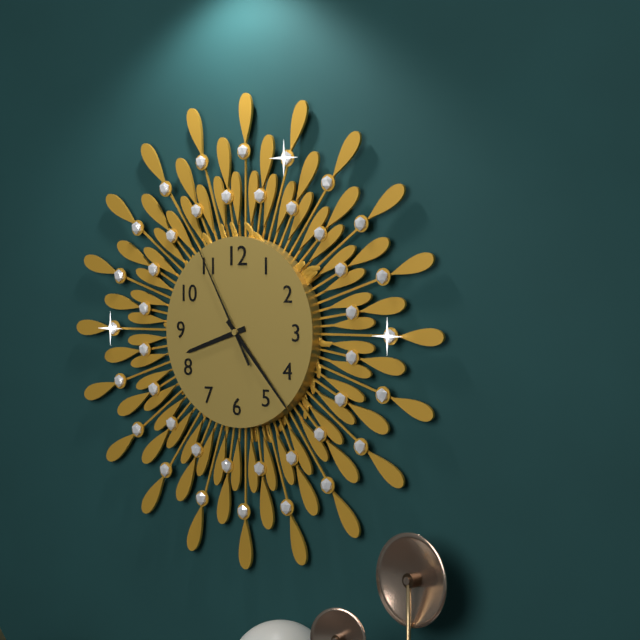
{"hour": 8, "minute": 23, "second": 55}
